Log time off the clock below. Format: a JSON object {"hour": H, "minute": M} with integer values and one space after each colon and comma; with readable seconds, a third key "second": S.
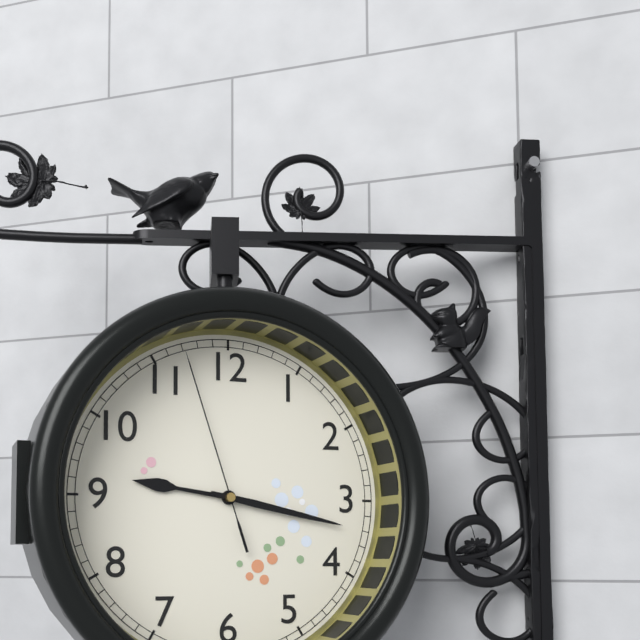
{"hour": 9, "minute": 17, "second": 57}
